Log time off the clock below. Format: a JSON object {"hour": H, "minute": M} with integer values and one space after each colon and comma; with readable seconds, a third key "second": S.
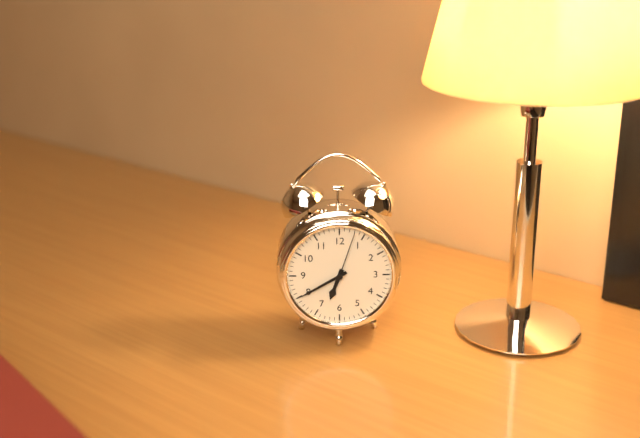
{"hour": 6, "minute": 40, "second": 3}
